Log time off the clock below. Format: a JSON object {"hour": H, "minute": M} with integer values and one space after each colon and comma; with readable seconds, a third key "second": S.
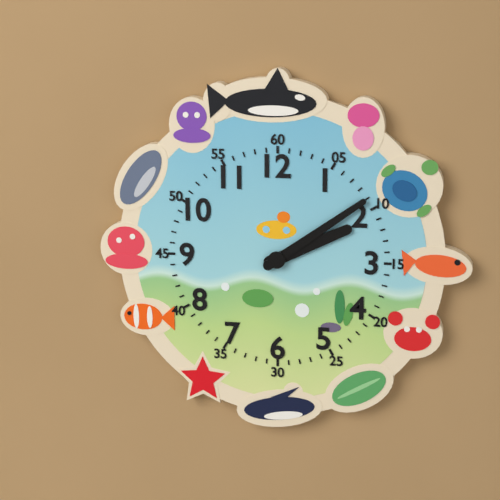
{"hour": 2, "minute": 9}
